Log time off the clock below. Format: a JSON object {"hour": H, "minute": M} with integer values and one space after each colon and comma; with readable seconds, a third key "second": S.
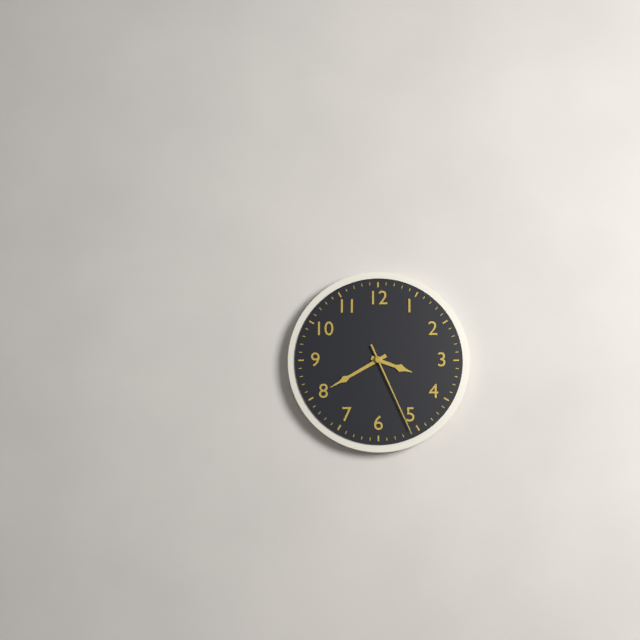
{"hour": 3, "minute": 40, "second": 26}
